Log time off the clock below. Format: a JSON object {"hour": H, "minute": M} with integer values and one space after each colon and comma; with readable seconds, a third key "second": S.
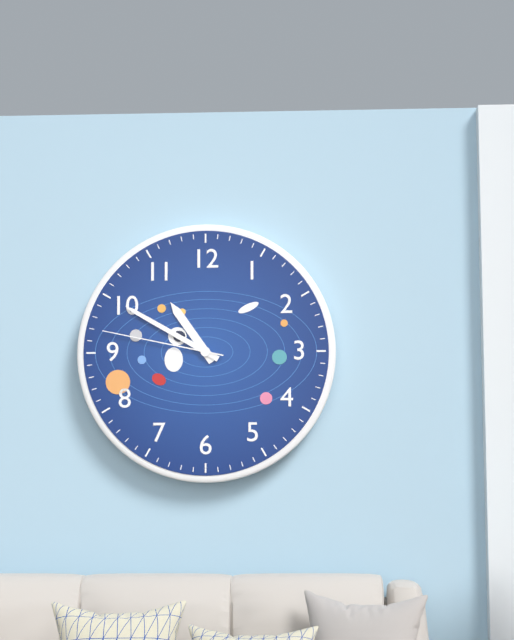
{"hour": 10, "minute": 50, "second": 47}
